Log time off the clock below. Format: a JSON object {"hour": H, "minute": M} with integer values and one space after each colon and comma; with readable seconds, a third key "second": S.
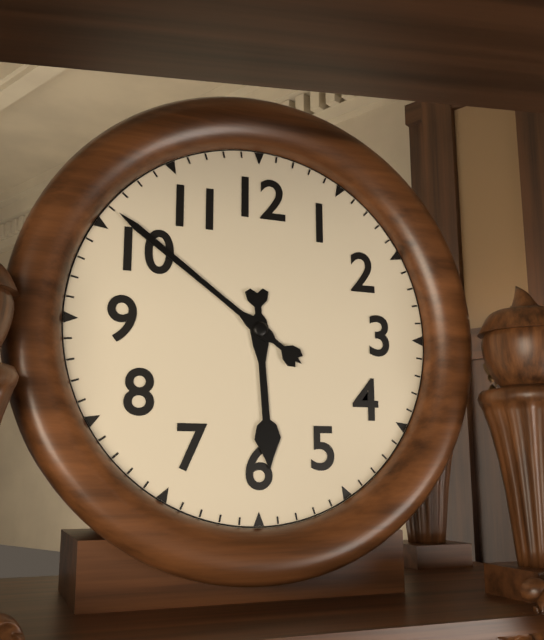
{"hour": 5, "minute": 51}
